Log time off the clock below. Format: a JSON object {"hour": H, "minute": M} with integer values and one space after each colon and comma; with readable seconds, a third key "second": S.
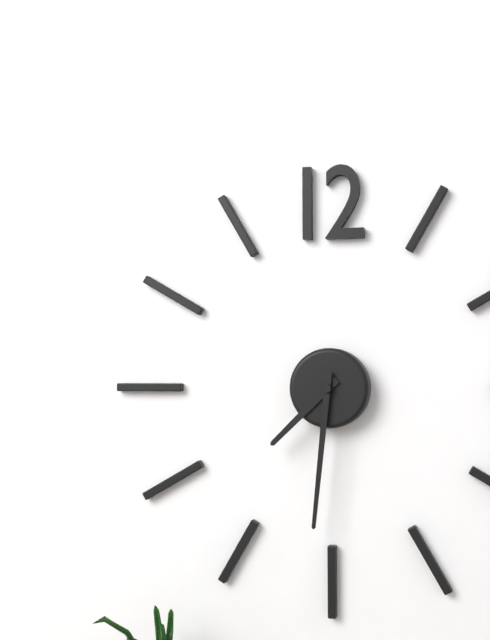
{"hour": 7, "minute": 31}
